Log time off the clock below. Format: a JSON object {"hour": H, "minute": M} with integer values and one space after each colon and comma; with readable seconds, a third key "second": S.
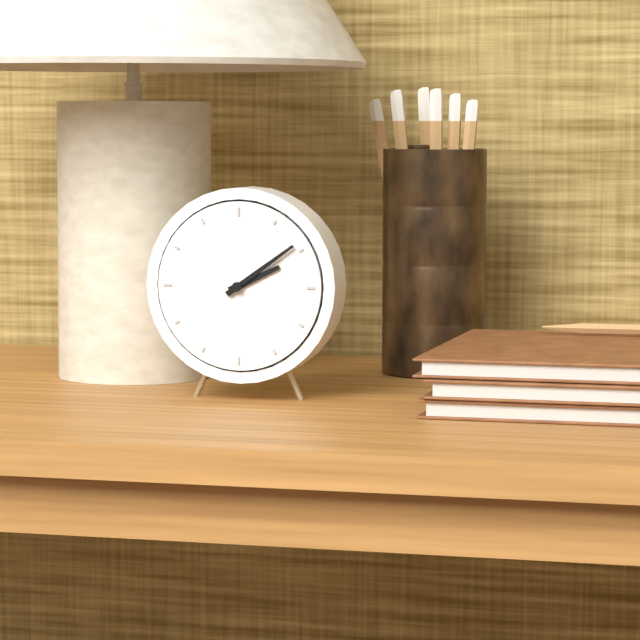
{"hour": 2, "minute": 9}
